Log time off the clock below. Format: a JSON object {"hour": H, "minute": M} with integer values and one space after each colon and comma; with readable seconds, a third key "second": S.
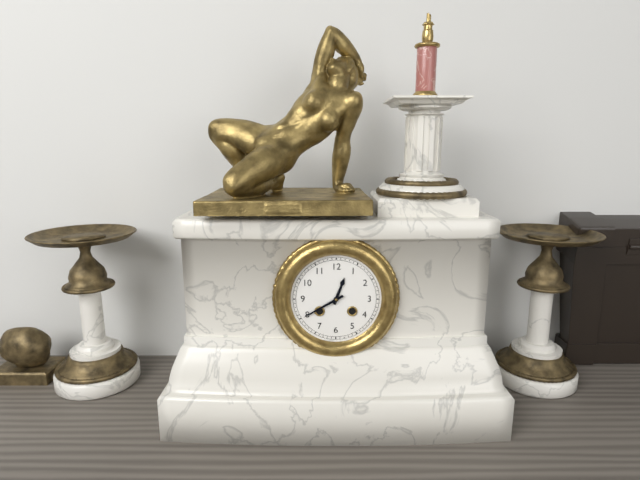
{"hour": 12, "minute": 40}
